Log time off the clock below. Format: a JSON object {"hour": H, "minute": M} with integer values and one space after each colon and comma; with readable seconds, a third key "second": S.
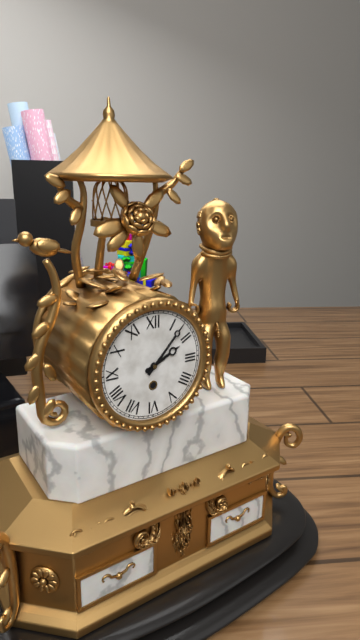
{"hour": 2, "minute": 7}
